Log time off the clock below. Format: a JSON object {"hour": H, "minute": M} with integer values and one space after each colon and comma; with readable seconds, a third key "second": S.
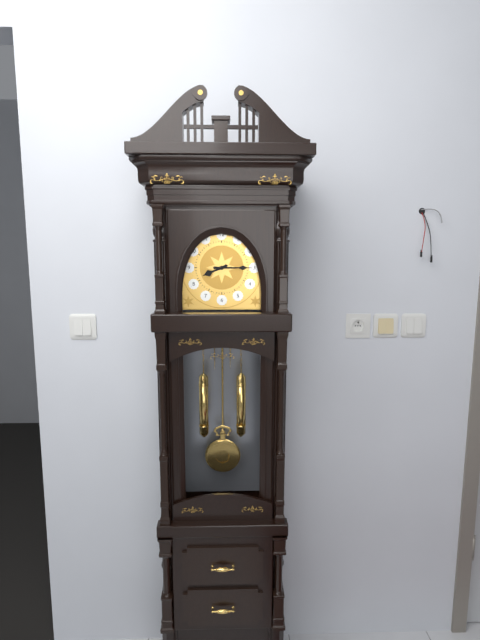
{"hour": 8, "minute": 15}
